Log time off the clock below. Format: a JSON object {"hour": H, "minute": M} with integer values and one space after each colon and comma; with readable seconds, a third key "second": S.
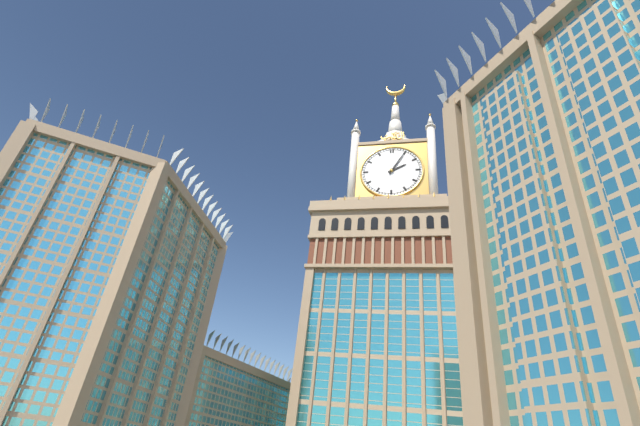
{"hour": 2, "minute": 5}
